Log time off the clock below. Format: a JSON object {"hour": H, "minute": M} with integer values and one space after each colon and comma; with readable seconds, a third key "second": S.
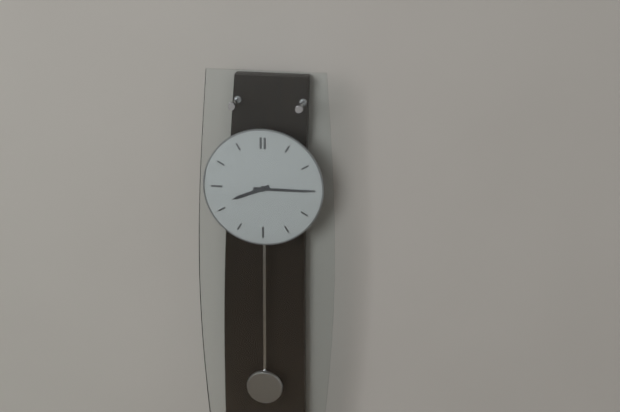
{"hour": 8, "minute": 15}
